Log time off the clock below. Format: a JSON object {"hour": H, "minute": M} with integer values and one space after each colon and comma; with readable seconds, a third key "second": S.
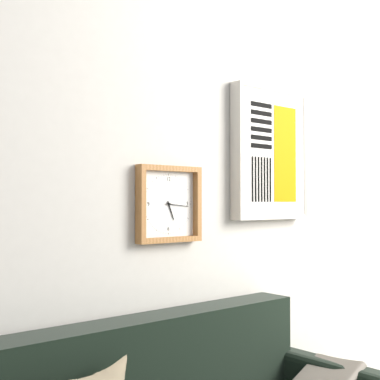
{"hour": 5, "minute": 16}
